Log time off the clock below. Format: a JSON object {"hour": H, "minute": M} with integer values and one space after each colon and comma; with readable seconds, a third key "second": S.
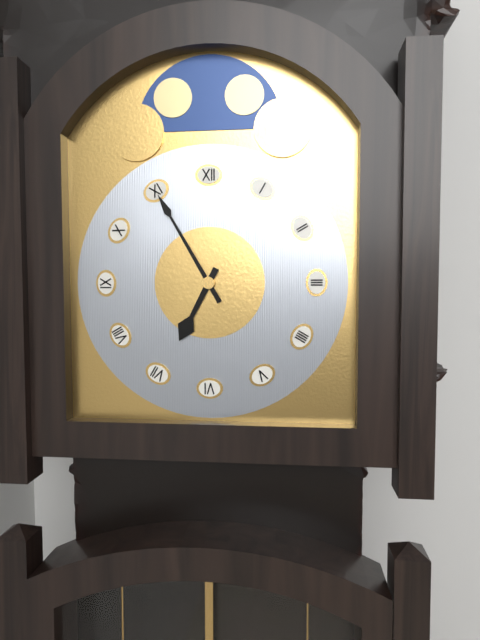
{"hour": 6, "minute": 55}
